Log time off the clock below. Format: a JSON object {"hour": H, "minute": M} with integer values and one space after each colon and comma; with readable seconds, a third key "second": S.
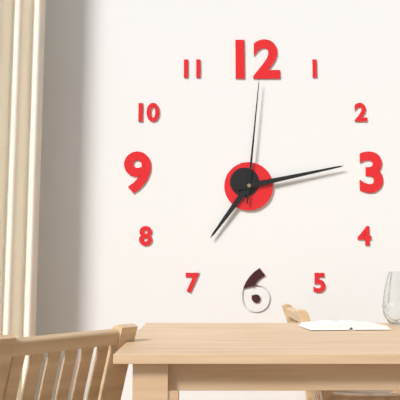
{"hour": 7, "minute": 13, "second": 1}
